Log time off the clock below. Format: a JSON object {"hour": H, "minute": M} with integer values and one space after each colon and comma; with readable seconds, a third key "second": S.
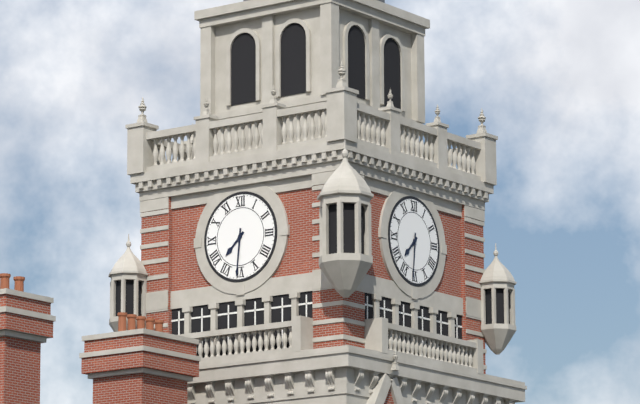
{"hour": 7, "minute": 31}
